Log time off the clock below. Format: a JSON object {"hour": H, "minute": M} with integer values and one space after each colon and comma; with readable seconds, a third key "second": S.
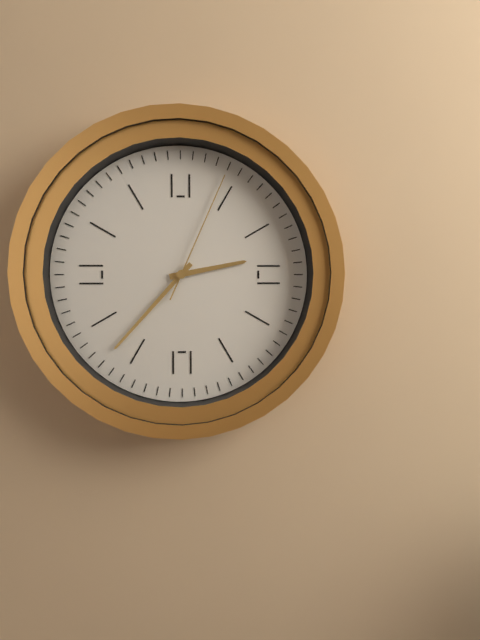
{"hour": 2, "minute": 37, "second": 4}
